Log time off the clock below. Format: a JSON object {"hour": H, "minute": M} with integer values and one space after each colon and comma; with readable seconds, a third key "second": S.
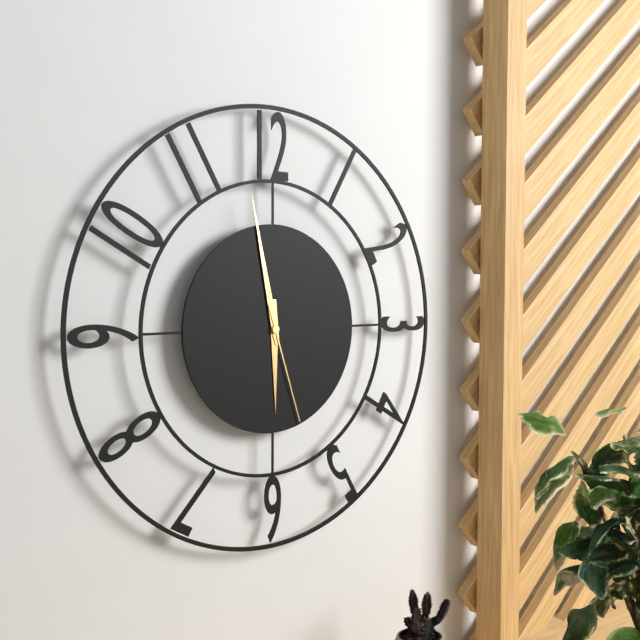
{"hour": 5, "minute": 58, "second": 27}
